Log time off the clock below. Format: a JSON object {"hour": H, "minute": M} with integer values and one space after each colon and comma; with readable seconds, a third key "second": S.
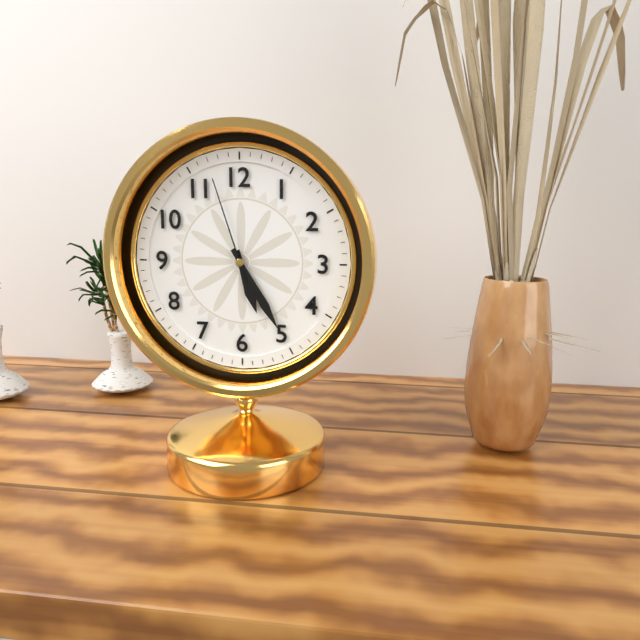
{"hour": 5, "minute": 25, "second": 57}
